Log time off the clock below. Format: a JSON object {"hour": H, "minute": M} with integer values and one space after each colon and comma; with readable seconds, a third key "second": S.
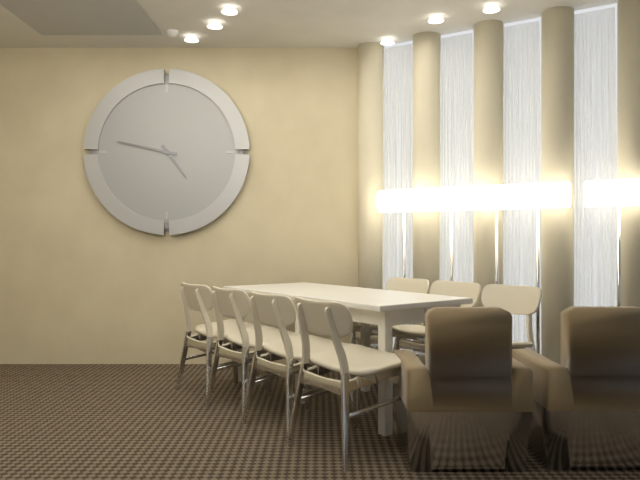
{"hour": 4, "minute": 47}
